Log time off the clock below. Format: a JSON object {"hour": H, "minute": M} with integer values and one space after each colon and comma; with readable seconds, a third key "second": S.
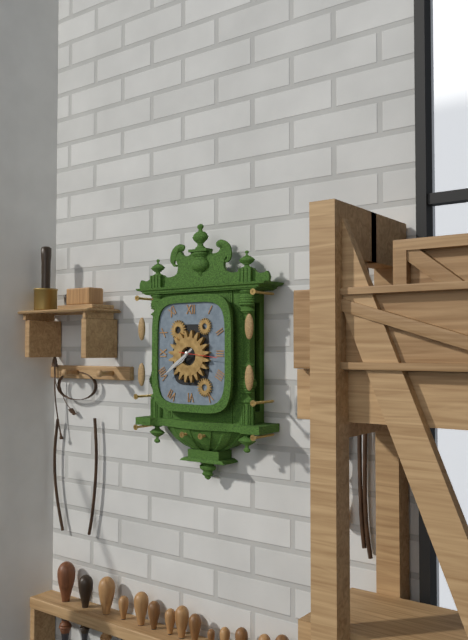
{"hour": 7, "minute": 39}
